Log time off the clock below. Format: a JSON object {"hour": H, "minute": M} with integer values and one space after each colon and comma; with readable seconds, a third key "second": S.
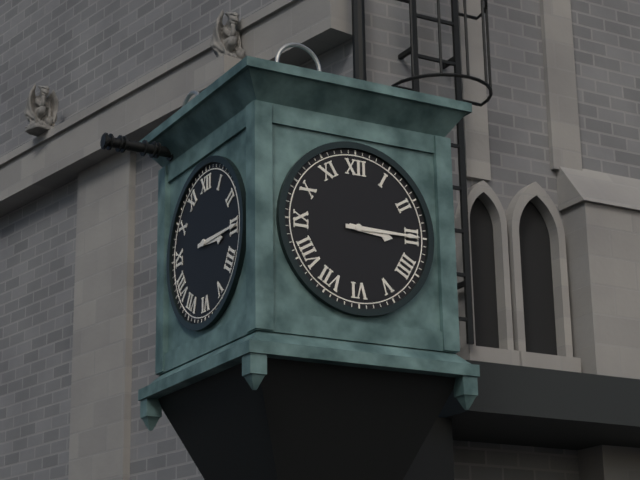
{"hour": 3, "minute": 15}
